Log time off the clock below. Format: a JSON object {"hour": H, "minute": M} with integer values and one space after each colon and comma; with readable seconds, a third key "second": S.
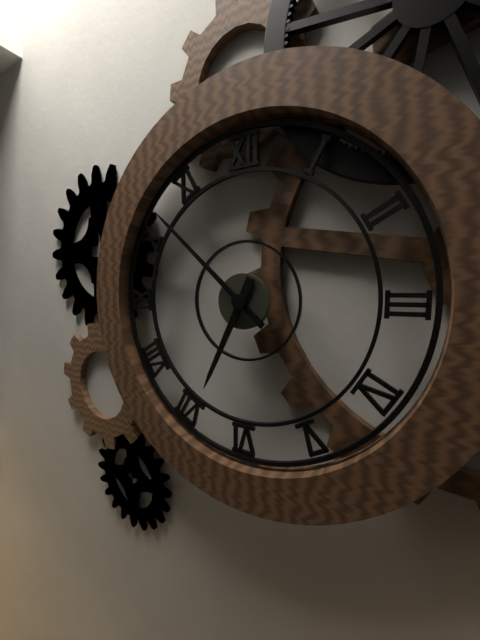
{"hour": 6, "minute": 52}
